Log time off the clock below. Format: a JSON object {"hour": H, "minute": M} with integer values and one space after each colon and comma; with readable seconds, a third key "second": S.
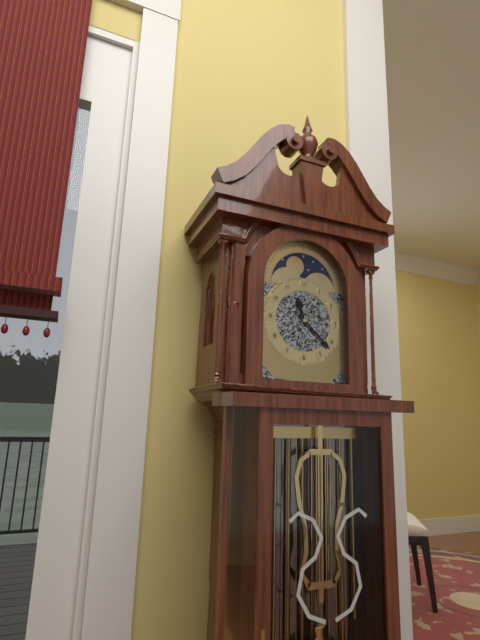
{"hour": 11, "minute": 22}
